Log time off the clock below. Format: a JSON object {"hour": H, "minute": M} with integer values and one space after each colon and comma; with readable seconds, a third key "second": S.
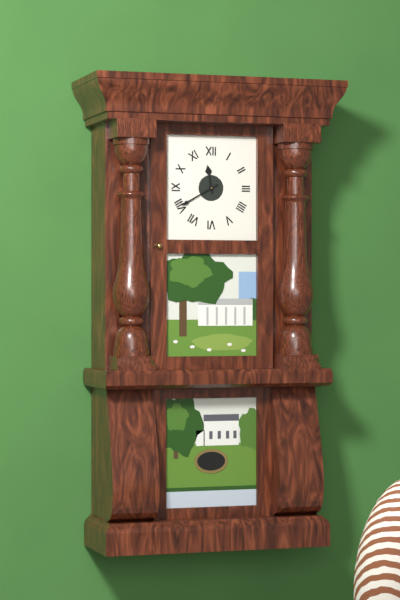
{"hour": 11, "minute": 40}
